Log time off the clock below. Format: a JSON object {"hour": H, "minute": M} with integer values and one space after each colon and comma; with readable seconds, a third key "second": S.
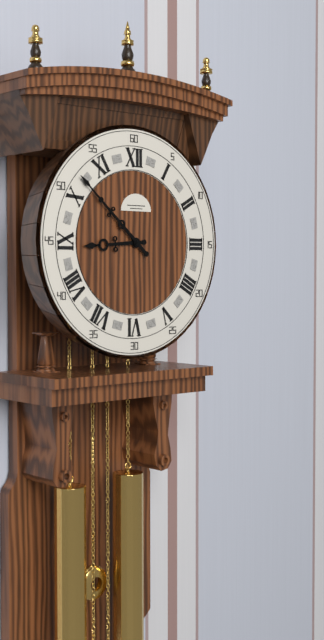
{"hour": 8, "minute": 52}
